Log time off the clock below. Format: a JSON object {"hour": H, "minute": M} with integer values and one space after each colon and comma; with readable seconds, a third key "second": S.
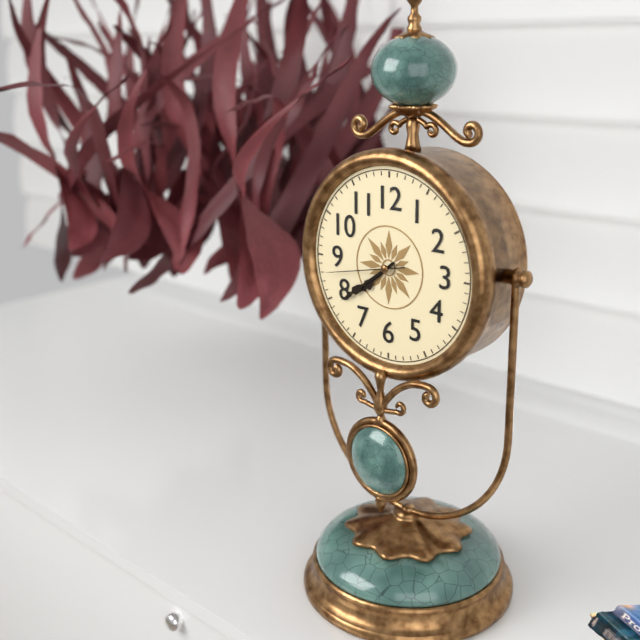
{"hour": 7, "minute": 39, "second": 43}
